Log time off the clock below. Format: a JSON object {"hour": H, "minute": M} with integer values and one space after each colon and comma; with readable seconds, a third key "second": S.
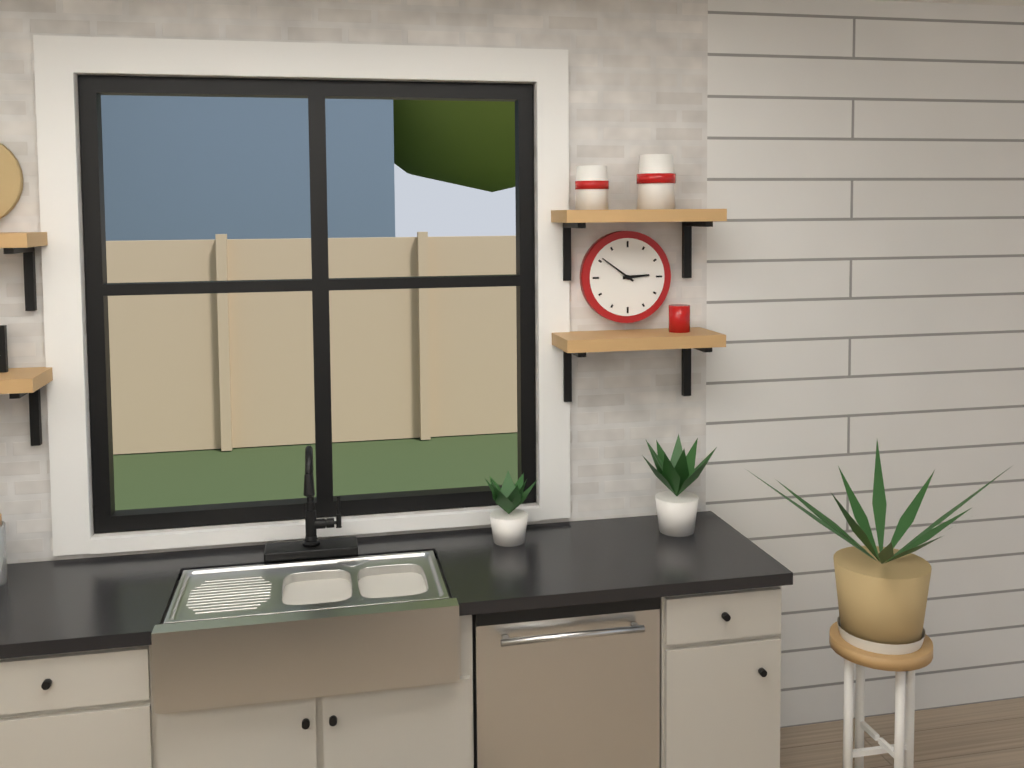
{"hour": 2, "minute": 51}
